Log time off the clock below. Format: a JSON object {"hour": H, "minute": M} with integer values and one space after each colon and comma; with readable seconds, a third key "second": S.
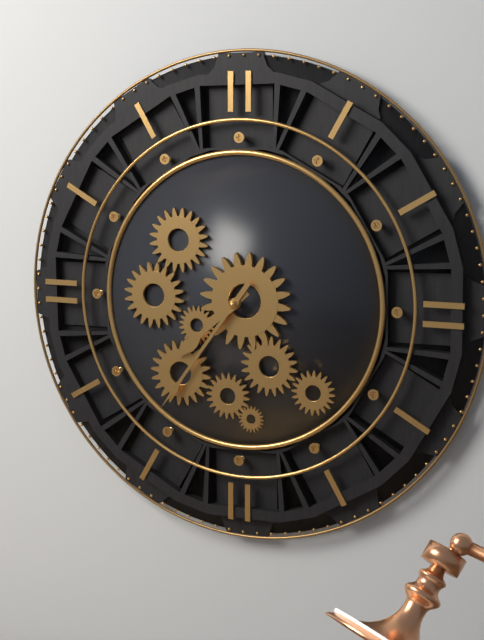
{"hour": 7, "minute": 36}
